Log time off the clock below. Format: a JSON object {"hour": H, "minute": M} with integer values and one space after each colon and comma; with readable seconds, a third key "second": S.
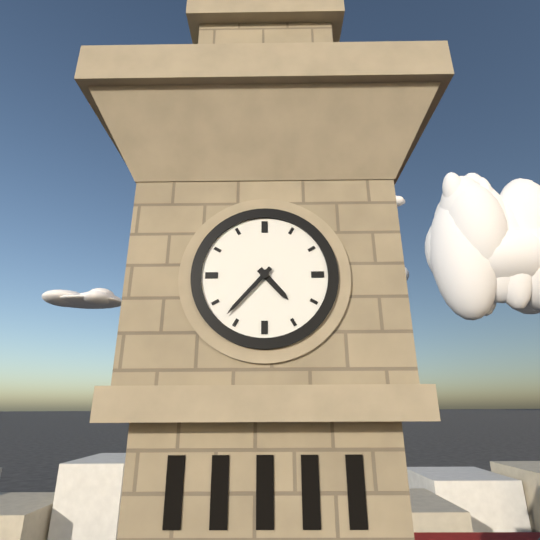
{"hour": 4, "minute": 37}
